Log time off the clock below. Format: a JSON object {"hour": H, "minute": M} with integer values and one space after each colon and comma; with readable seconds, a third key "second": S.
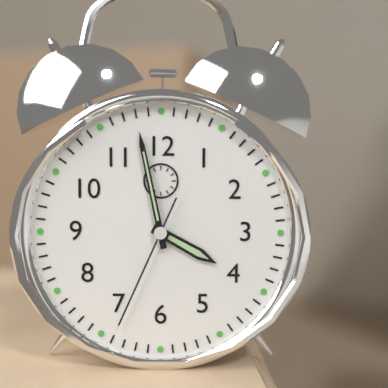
{"hour": 3, "minute": 58, "second": 34}
